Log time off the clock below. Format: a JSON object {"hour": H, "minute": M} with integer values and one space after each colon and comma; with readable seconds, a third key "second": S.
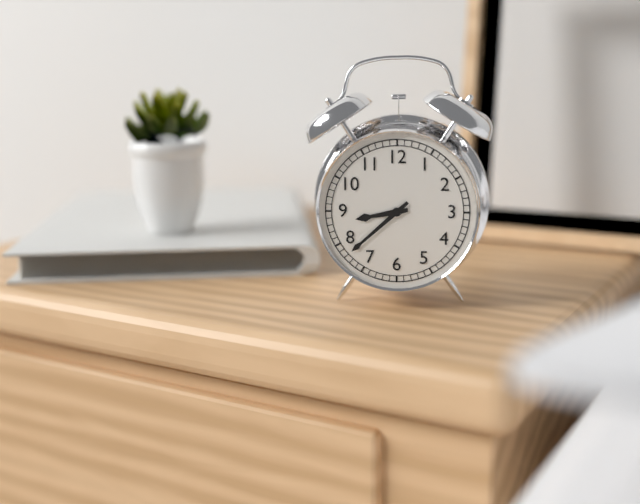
{"hour": 8, "minute": 38}
